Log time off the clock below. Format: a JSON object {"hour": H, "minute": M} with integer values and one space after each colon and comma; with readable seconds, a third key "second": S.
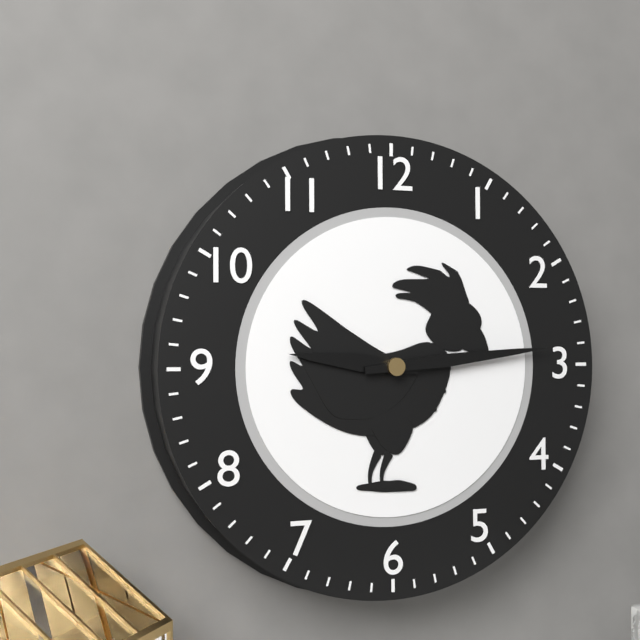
{"hour": 9, "minute": 14}
